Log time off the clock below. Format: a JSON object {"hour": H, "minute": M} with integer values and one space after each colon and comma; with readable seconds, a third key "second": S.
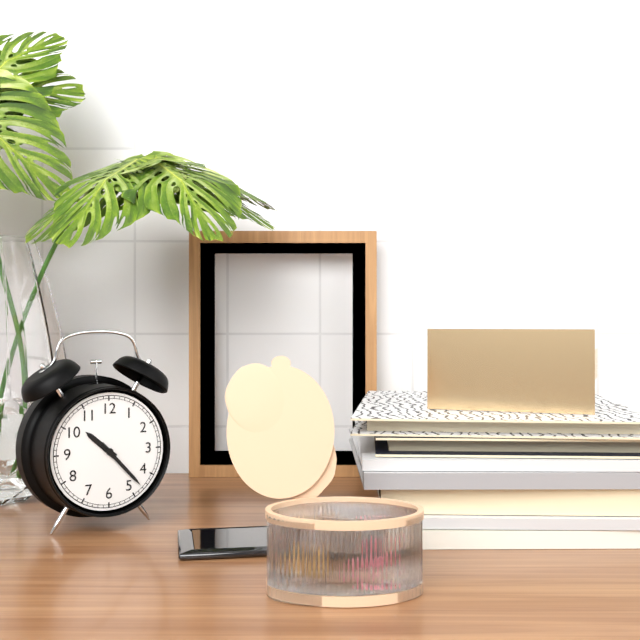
{"hour": 10, "minute": 23}
